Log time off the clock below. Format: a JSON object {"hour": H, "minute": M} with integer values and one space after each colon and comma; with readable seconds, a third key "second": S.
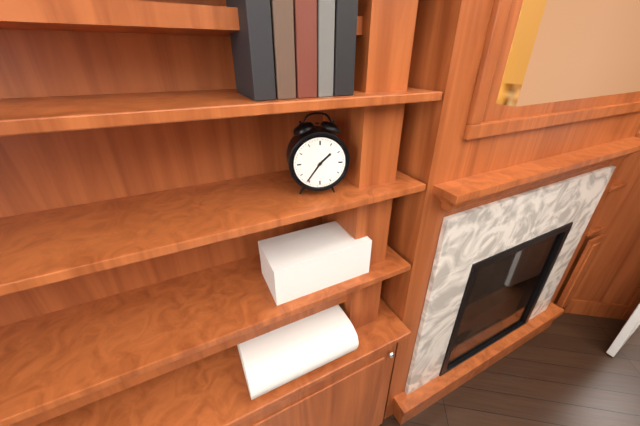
{"hour": 1, "minute": 36}
